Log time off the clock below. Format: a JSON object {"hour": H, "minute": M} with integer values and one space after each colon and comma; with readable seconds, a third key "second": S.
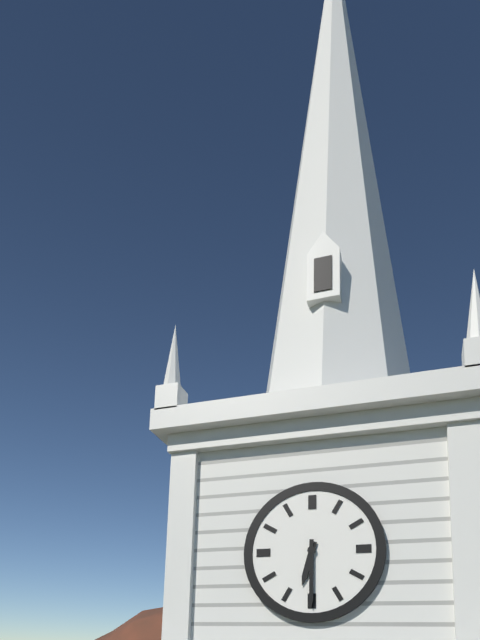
{"hour": 6, "minute": 30}
